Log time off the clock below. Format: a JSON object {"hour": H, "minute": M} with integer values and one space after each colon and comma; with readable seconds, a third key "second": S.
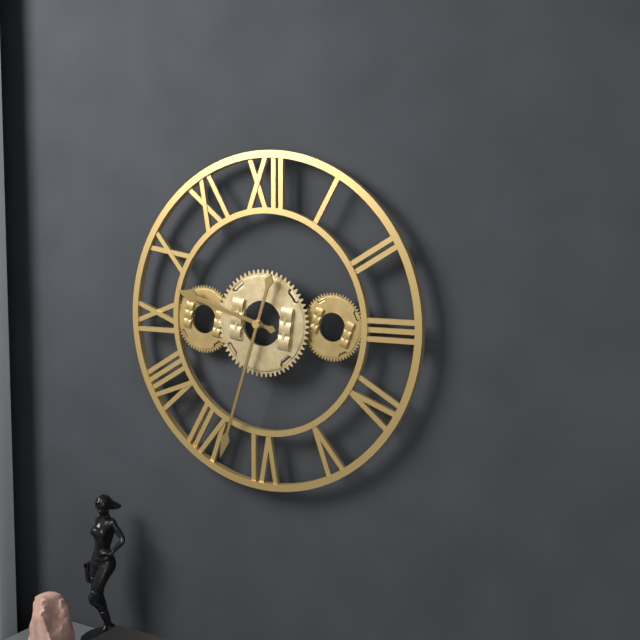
{"hour": 9, "minute": 33}
